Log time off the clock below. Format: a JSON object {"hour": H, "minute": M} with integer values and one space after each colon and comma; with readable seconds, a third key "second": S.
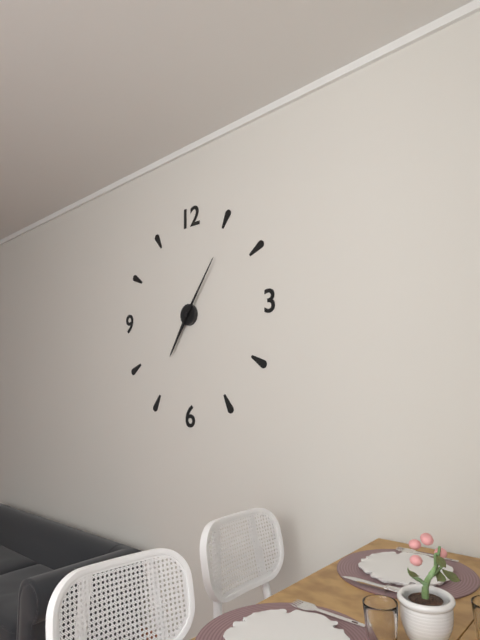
{"hour": 7, "minute": 6}
